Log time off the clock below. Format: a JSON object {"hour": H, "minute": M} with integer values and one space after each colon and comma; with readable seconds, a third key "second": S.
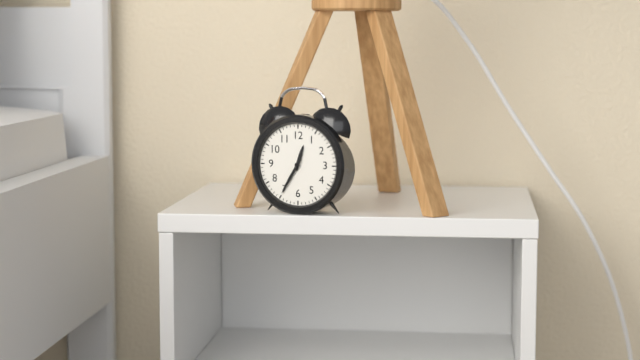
{"hour": 12, "minute": 35}
